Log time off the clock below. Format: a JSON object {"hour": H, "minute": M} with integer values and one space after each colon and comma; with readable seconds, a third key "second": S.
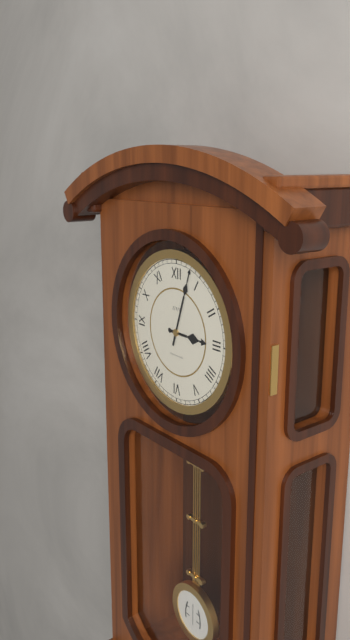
{"hour": 3, "minute": 3}
